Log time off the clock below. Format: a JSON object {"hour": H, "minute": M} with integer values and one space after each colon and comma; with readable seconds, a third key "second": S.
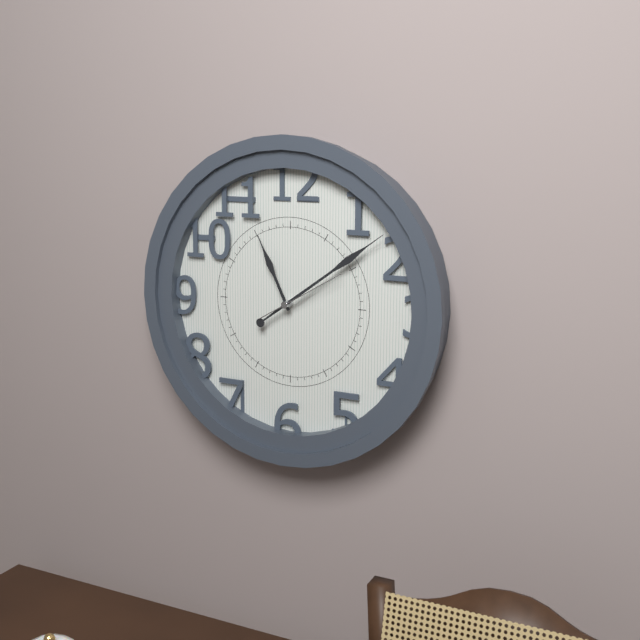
{"hour": 11, "minute": 9, "second": 10}
